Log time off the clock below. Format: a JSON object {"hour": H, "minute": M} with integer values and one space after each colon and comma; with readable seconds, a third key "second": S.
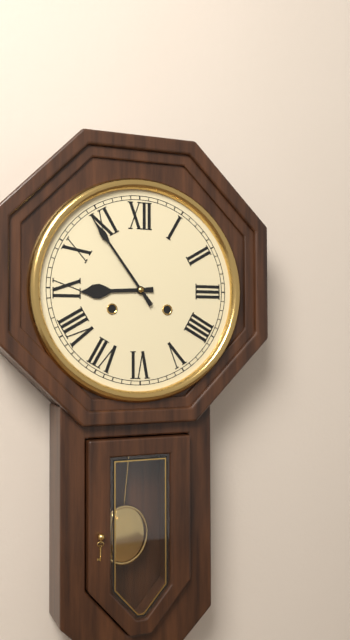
{"hour": 8, "minute": 54}
